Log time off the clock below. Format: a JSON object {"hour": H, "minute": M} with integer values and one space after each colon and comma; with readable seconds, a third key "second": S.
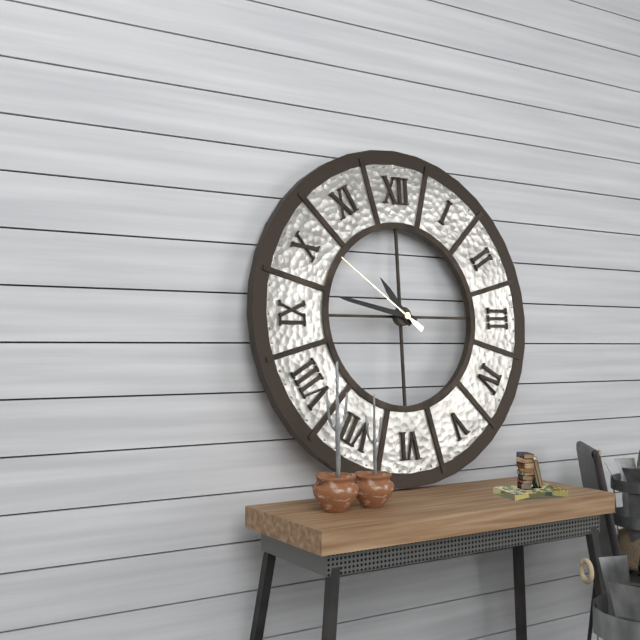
{"hour": 10, "minute": 47, "second": 51}
